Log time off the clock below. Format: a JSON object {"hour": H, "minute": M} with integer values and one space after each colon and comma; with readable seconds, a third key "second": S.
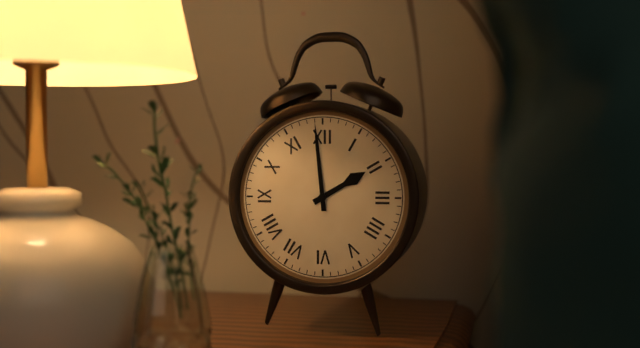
{"hour": 1, "minute": 59}
